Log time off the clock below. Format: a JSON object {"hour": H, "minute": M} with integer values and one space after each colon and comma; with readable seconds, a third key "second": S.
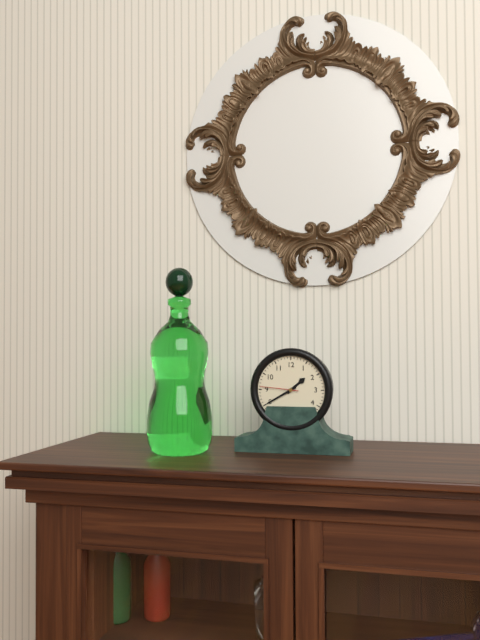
{"hour": 1, "minute": 40}
